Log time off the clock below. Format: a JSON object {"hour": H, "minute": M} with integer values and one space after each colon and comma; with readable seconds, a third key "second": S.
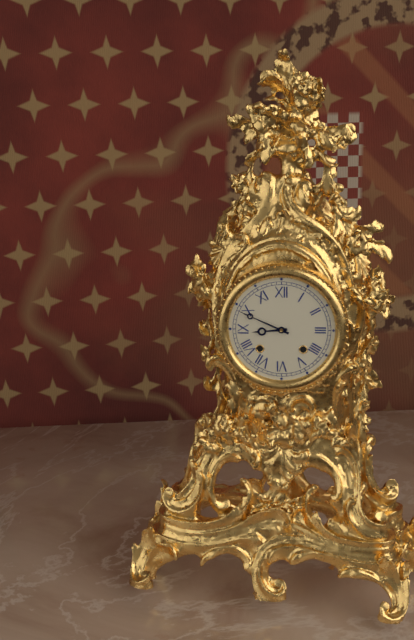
{"hour": 8, "minute": 49}
